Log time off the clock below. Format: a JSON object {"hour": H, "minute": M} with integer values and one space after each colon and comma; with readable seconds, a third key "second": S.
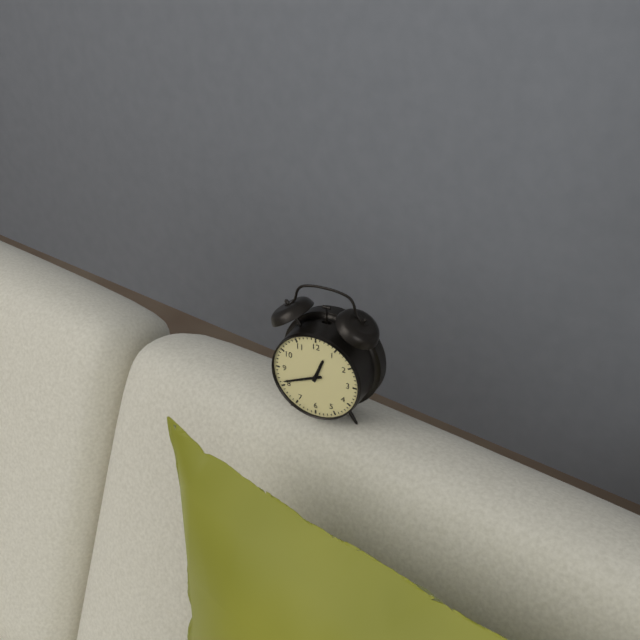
{"hour": 12, "minute": 41}
